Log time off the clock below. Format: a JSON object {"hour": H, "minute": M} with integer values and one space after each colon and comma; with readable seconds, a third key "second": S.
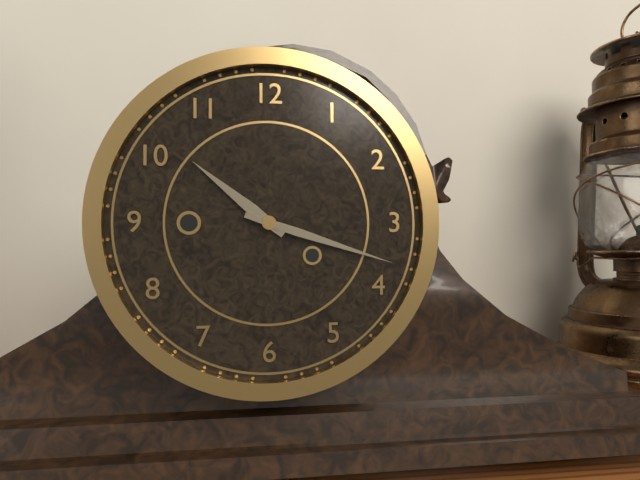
{"hour": 10, "minute": 18}
